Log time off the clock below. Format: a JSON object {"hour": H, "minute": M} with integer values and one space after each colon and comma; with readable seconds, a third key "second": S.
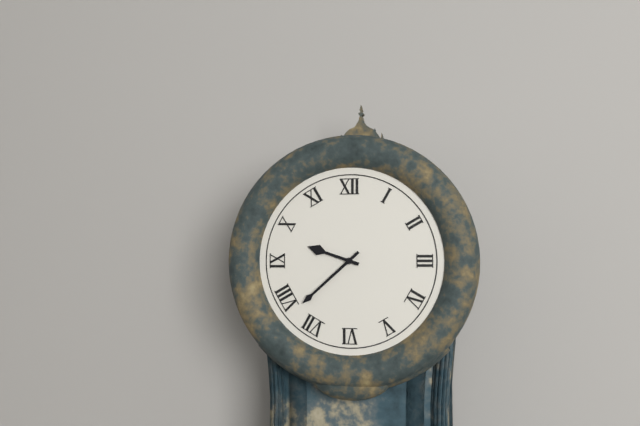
{"hour": 9, "minute": 38}
